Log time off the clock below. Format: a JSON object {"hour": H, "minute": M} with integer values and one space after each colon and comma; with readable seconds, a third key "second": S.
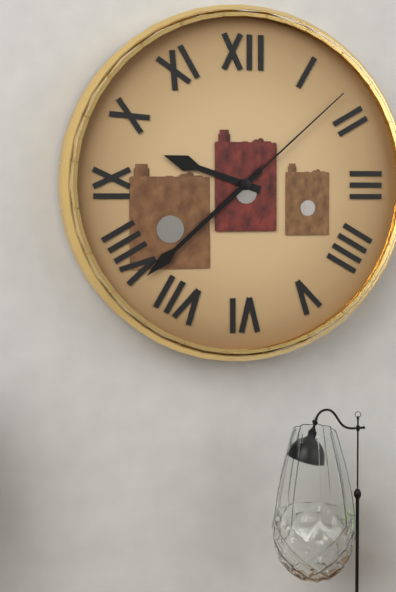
{"hour": 9, "minute": 38, "second": 8}
